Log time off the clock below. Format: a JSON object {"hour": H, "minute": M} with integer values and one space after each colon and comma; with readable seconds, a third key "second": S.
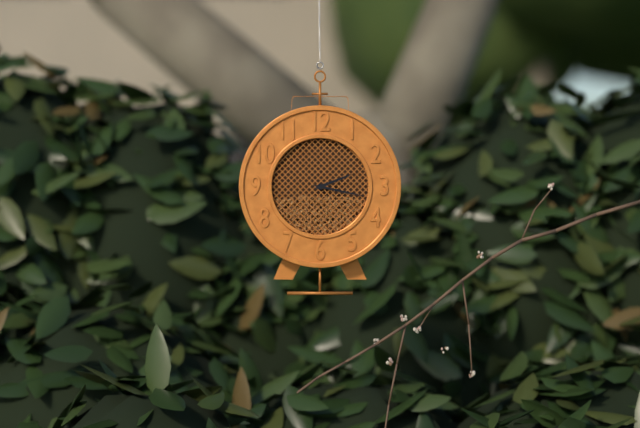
{"hour": 2, "minute": 17}
